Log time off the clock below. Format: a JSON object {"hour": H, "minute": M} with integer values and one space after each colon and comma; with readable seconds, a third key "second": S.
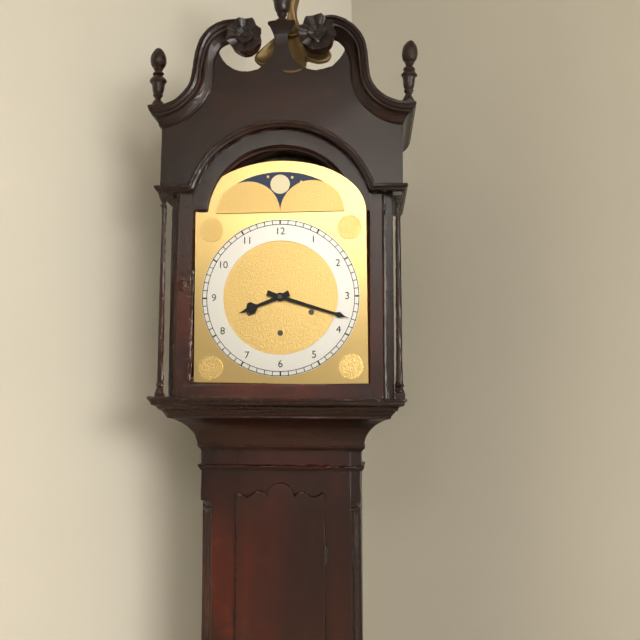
{"hour": 8, "minute": 18}
